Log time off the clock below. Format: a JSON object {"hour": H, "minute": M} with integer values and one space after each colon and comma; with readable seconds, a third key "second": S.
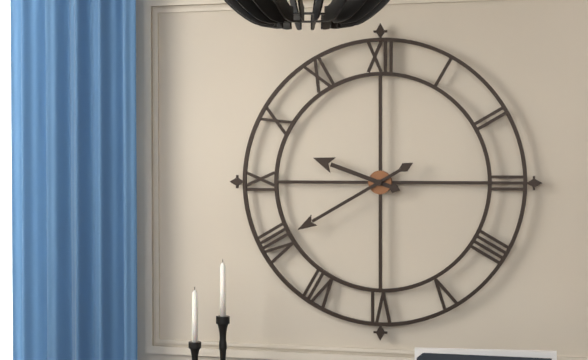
{"hour": 9, "minute": 40}
